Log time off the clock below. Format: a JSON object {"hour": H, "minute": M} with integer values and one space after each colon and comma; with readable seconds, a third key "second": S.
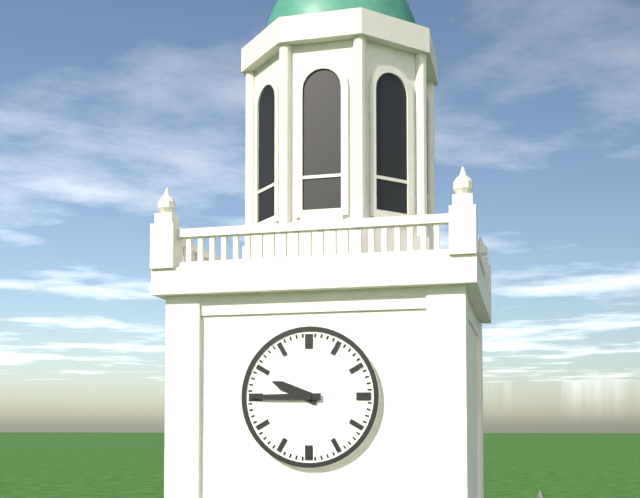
{"hour": 9, "minute": 45}
